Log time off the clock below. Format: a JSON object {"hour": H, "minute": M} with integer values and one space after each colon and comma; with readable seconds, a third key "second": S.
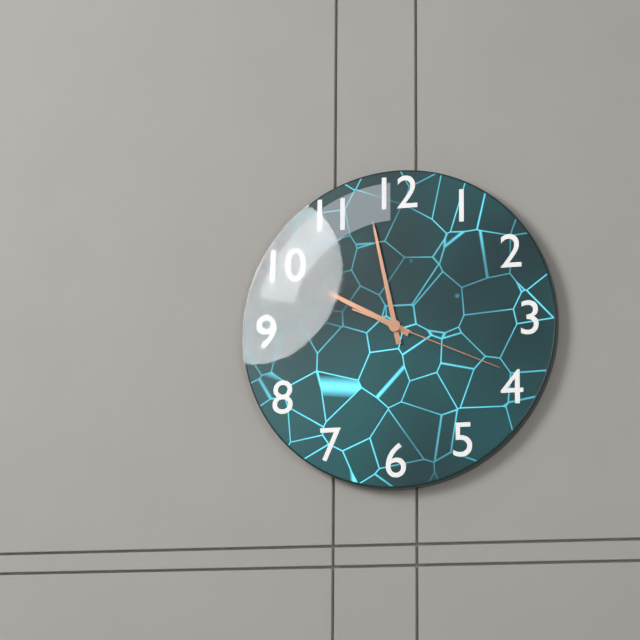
{"hour": 9, "minute": 58, "second": 19}
